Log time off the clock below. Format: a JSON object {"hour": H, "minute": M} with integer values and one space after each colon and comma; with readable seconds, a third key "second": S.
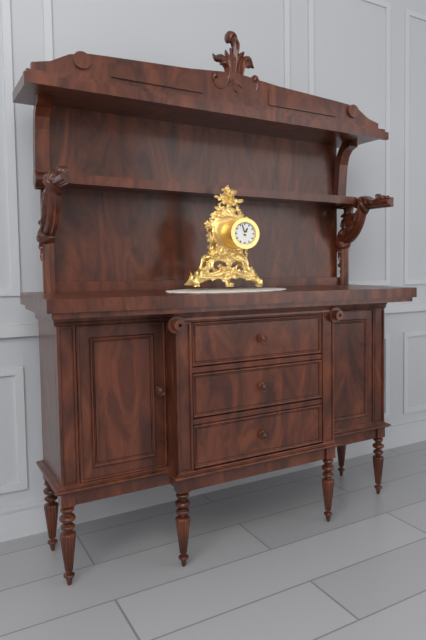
{"hour": 12, "minute": 57}
